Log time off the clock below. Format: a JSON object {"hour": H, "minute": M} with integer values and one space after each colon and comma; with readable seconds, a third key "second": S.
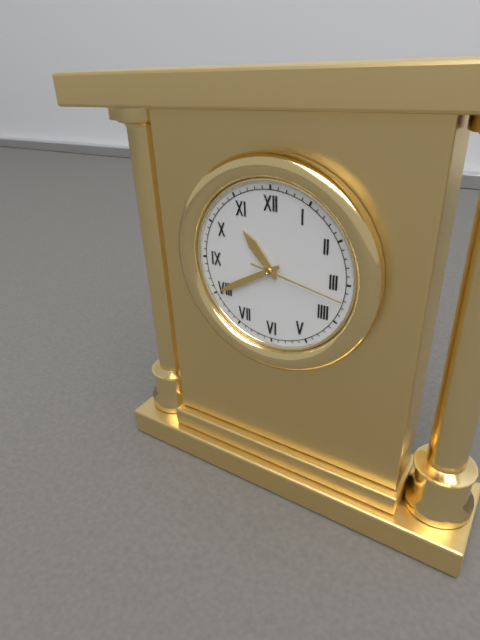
{"hour": 10, "minute": 40, "second": 17}
